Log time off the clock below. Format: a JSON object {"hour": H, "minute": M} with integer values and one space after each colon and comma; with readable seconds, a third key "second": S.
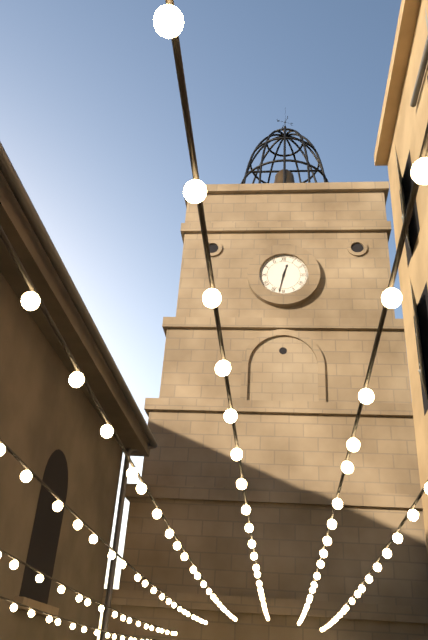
{"hour": 12, "minute": 32}
